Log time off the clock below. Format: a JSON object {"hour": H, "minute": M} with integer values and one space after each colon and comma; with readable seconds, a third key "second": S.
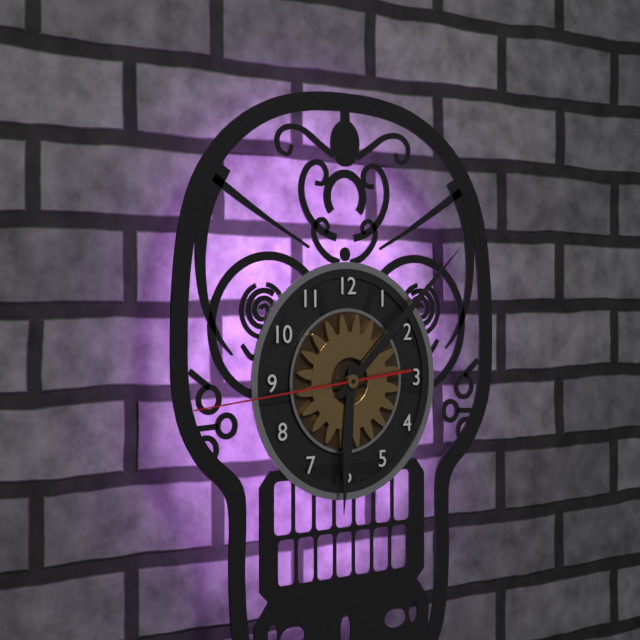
{"hour": 6, "minute": 8, "second": 44}
